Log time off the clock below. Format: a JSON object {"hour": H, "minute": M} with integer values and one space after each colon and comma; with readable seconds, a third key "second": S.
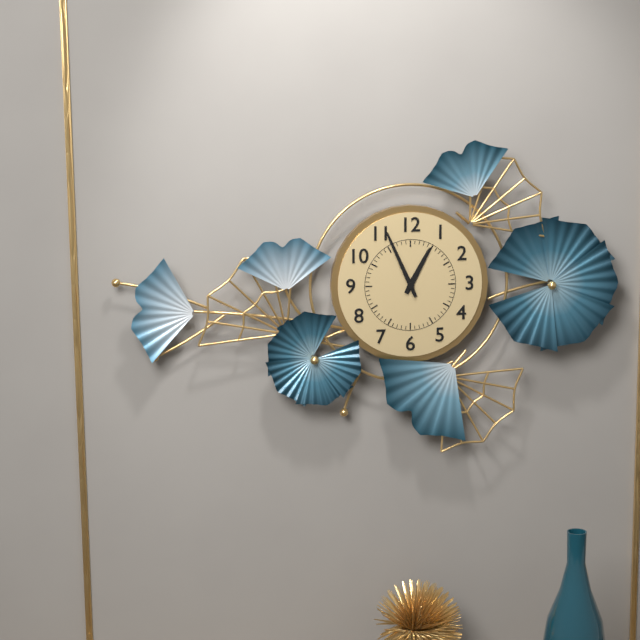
{"hour": 12, "minute": 56}
